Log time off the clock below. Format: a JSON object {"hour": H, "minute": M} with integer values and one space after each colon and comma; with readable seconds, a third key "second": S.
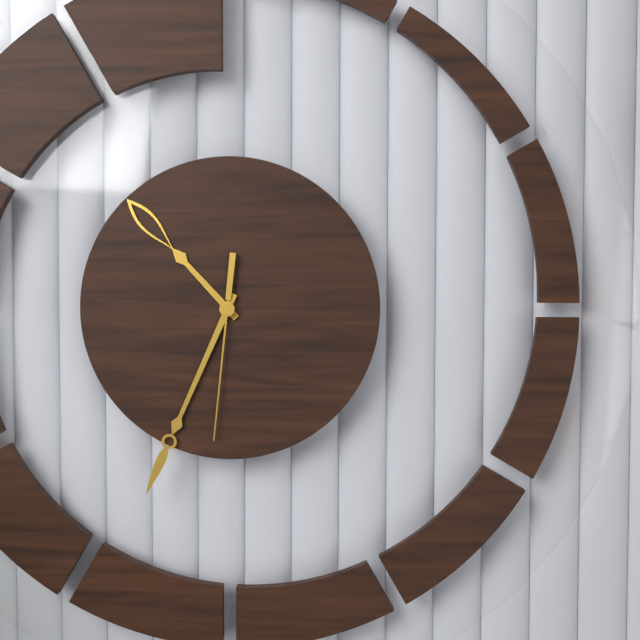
{"hour": 10, "minute": 34, "second": 31}
